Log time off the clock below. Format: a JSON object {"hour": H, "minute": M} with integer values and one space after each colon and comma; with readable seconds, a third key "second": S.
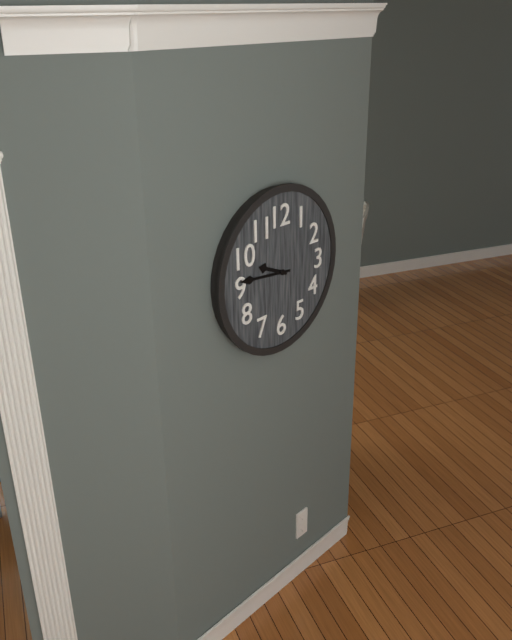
{"hour": 9, "minute": 46}
